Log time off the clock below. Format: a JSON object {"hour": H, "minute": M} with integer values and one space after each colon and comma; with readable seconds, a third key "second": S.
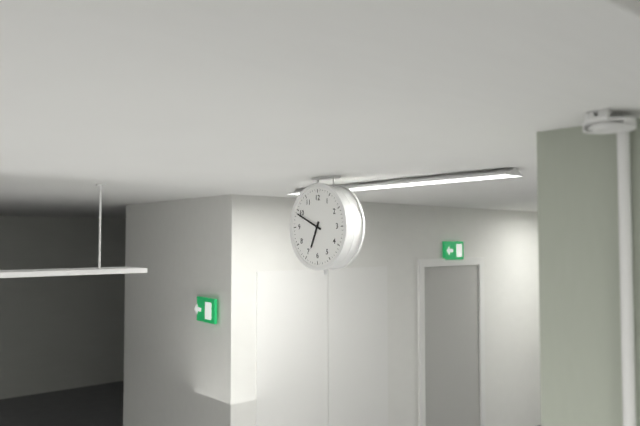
{"hour": 6, "minute": 49}
